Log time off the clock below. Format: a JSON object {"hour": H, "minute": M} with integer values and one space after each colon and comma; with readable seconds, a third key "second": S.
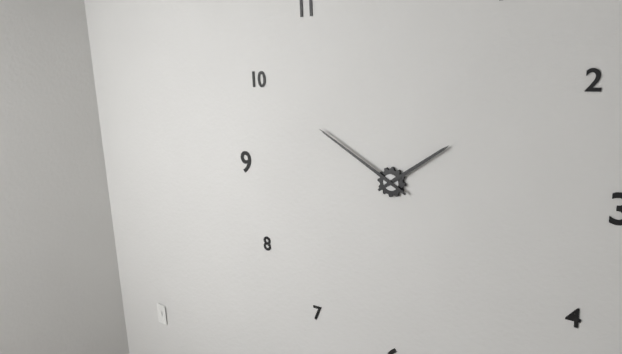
{"hour": 1, "minute": 50}
